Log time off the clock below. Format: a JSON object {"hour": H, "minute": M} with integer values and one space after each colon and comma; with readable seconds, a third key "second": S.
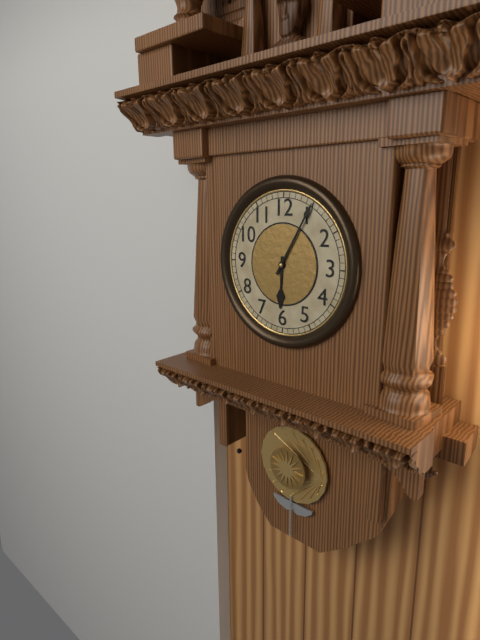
{"hour": 6, "minute": 5}
